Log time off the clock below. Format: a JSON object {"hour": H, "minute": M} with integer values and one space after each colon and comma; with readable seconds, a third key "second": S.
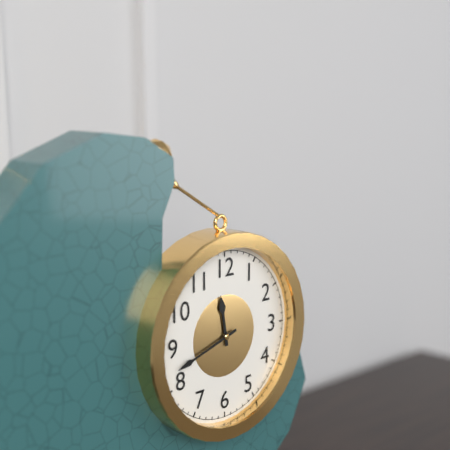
{"hour": 11, "minute": 42}
